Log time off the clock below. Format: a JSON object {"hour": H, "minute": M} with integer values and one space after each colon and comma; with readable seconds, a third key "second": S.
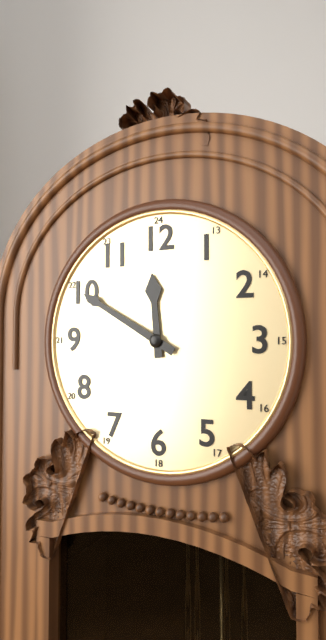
{"hour": 11, "minute": 50}
